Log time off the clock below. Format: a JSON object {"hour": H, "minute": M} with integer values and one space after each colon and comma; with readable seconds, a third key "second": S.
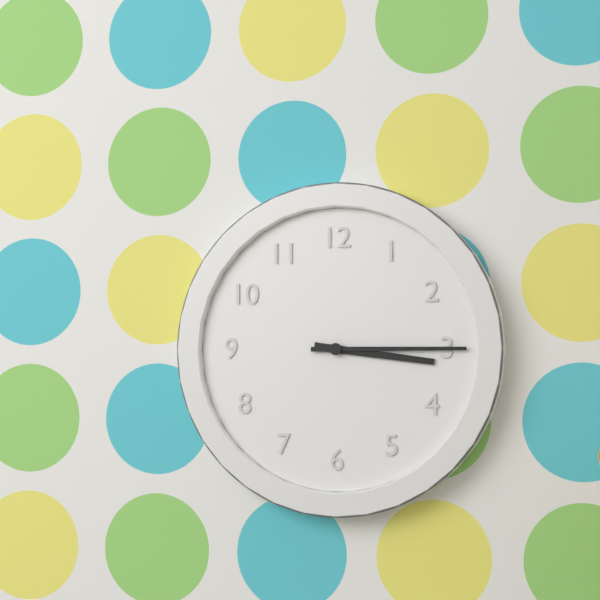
{"hour": 3, "minute": 15}
